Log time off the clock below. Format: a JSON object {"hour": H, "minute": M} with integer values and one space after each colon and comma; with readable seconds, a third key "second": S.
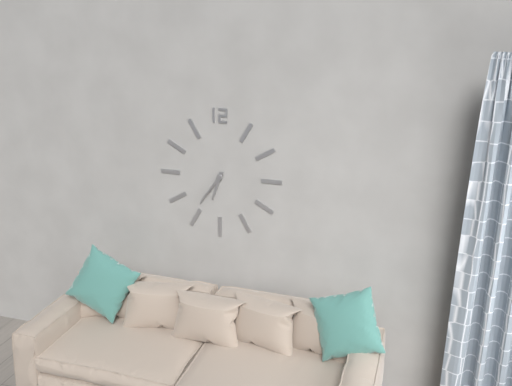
{"hour": 6, "minute": 36}
